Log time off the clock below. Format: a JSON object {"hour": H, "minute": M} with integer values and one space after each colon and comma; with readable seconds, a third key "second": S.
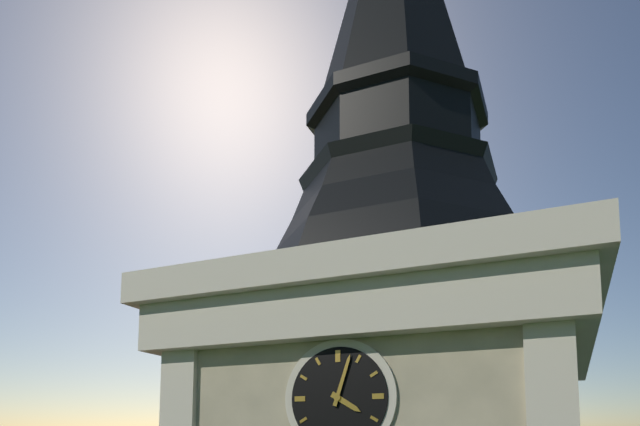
{"hour": 4, "minute": 3}
